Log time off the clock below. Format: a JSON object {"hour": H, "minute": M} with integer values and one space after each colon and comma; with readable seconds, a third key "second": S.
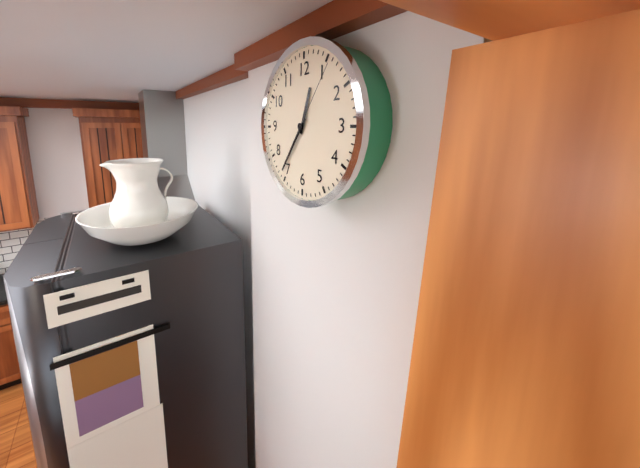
{"hour": 12, "minute": 36, "second": 6}
